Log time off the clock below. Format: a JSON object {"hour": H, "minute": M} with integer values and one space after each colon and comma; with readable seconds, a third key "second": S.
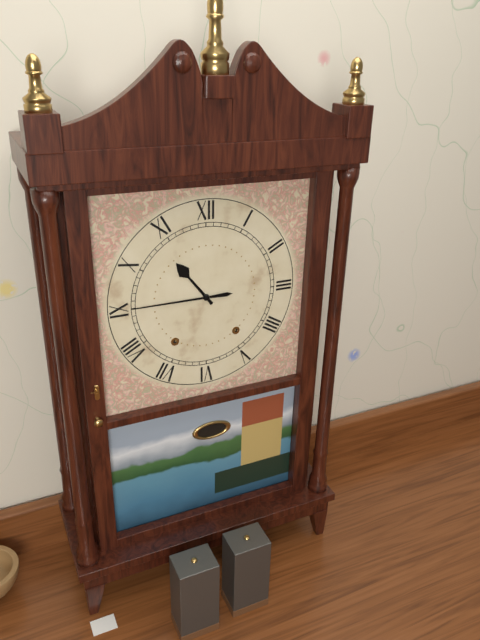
{"hour": 10, "minute": 45}
